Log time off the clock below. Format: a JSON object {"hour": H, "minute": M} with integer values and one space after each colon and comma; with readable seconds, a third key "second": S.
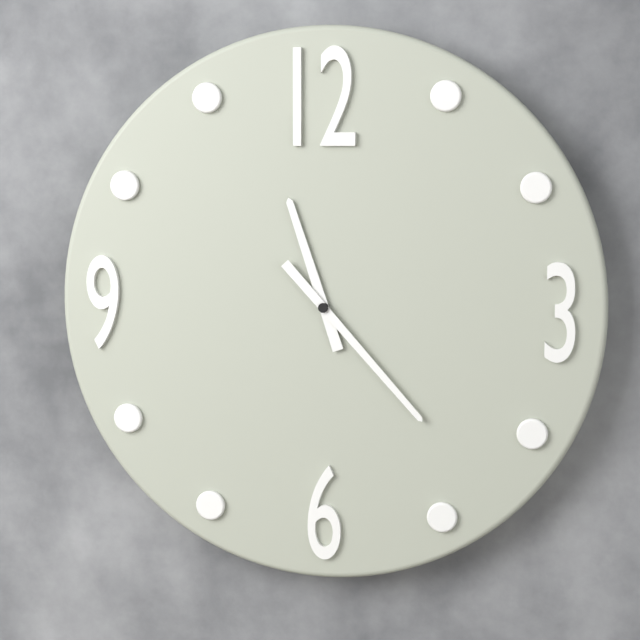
{"hour": 11, "minute": 23}
